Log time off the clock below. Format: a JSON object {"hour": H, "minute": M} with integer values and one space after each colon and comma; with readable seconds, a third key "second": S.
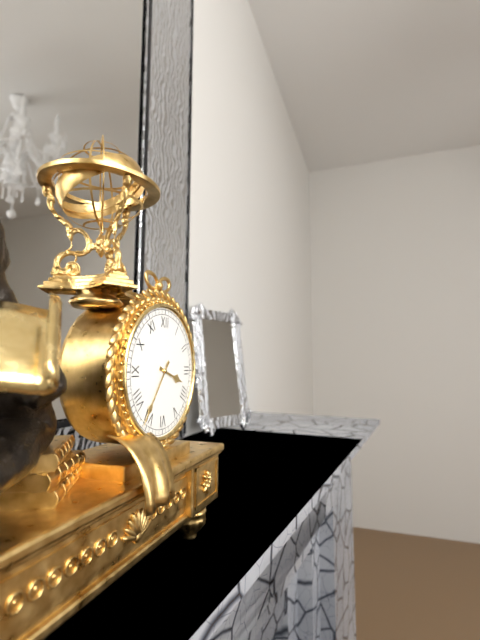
{"hour": 3, "minute": 36}
